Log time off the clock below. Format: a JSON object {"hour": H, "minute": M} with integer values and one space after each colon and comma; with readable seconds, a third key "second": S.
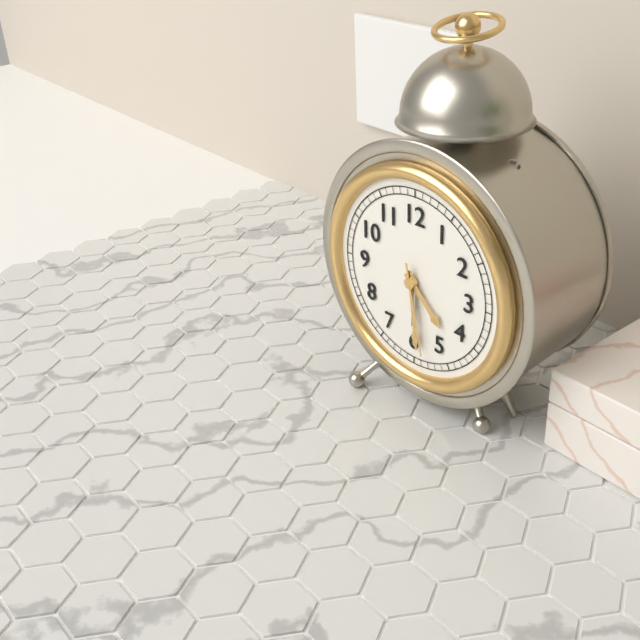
{"hour": 4, "minute": 29, "second": 28}
